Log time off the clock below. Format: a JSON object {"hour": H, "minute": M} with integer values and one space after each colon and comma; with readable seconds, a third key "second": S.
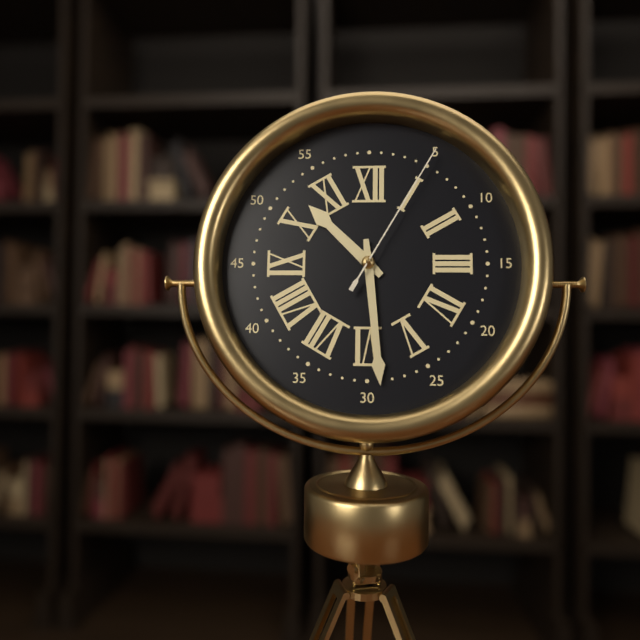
{"hour": 10, "minute": 29, "second": 5}
